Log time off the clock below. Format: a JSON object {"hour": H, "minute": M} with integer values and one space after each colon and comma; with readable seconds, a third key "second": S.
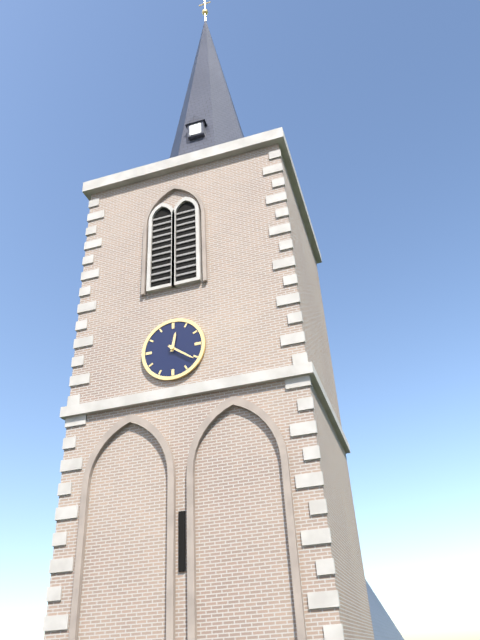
{"hour": 12, "minute": 21}
